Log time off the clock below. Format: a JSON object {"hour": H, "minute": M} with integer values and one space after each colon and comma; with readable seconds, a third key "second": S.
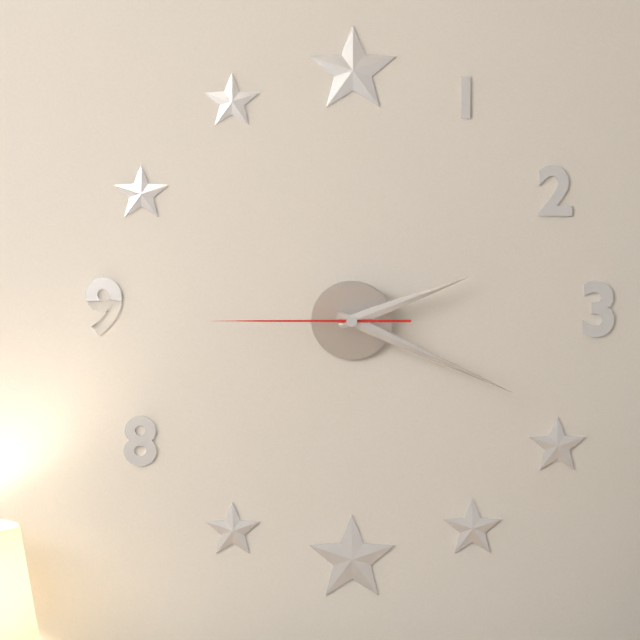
{"hour": 2, "minute": 19, "second": 45}
